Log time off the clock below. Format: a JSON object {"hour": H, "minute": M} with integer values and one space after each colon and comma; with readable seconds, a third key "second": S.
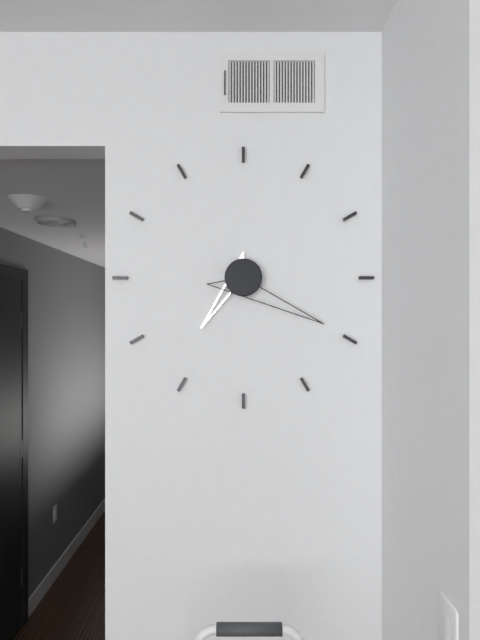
{"hour": 7, "minute": 20}
